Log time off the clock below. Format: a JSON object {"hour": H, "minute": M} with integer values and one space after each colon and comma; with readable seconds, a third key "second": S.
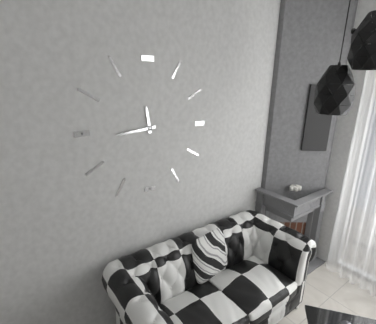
{"hour": 11, "minute": 44}
